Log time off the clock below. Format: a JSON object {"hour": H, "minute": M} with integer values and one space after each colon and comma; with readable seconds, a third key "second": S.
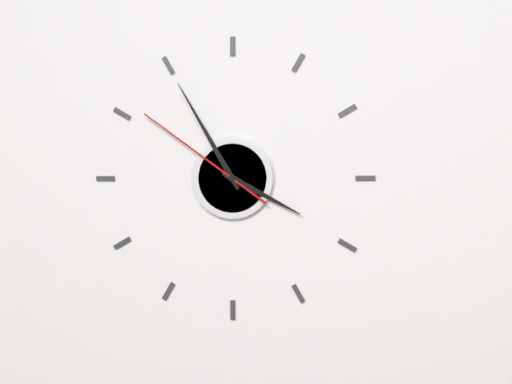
{"hour": 3, "minute": 55, "second": 51}
